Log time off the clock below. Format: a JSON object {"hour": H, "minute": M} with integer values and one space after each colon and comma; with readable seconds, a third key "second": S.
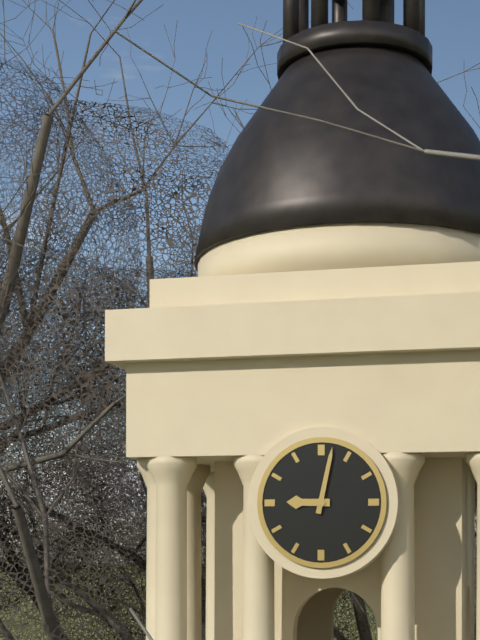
{"hour": 9, "minute": 2}
